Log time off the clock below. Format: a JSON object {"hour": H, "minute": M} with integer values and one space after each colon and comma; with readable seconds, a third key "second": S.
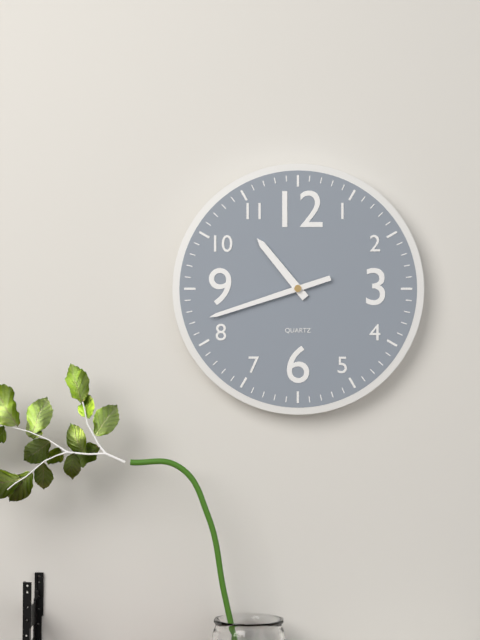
{"hour": 10, "minute": 42}
